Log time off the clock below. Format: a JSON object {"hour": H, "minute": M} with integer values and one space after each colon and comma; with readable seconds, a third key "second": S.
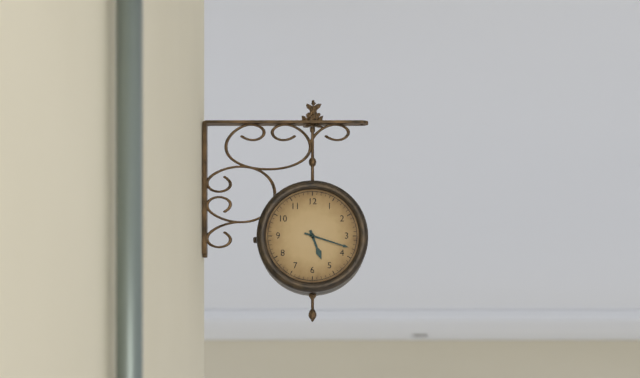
{"hour": 5, "minute": 18}
